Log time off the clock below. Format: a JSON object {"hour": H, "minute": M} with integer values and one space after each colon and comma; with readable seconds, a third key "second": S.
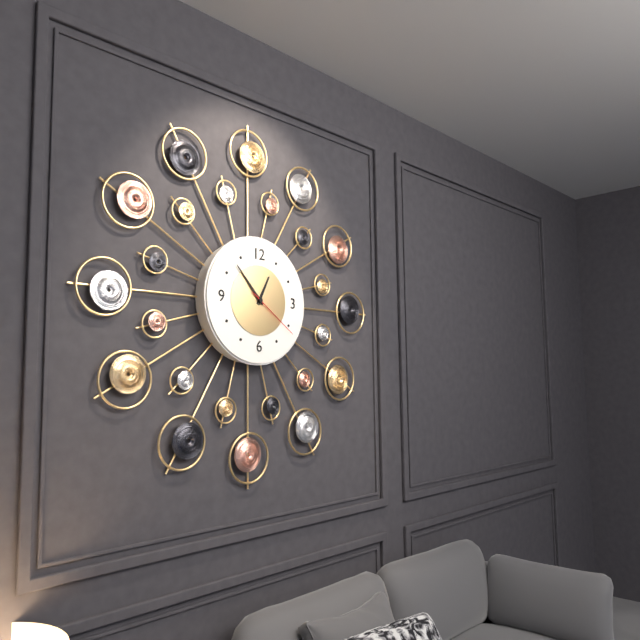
{"hour": 12, "minute": 53, "second": 21}
